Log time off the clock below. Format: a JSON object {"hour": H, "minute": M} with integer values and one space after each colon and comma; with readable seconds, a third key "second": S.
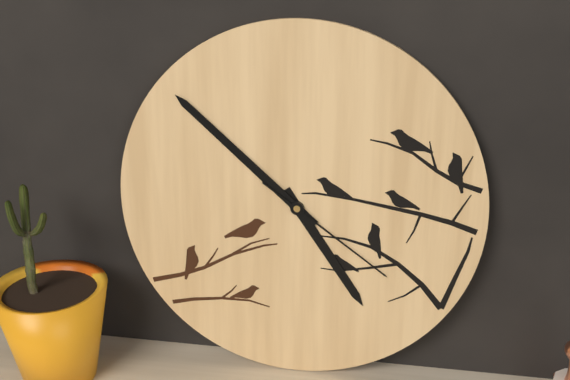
{"hour": 4, "minute": 52, "second": 21}
